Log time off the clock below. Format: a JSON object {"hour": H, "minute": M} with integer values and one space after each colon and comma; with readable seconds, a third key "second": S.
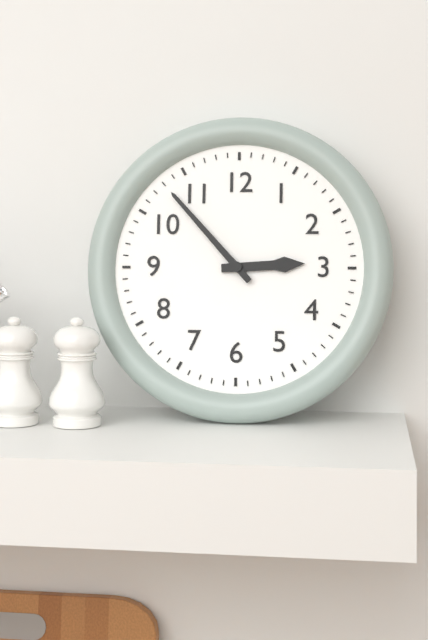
{"hour": 2, "minute": 53}
